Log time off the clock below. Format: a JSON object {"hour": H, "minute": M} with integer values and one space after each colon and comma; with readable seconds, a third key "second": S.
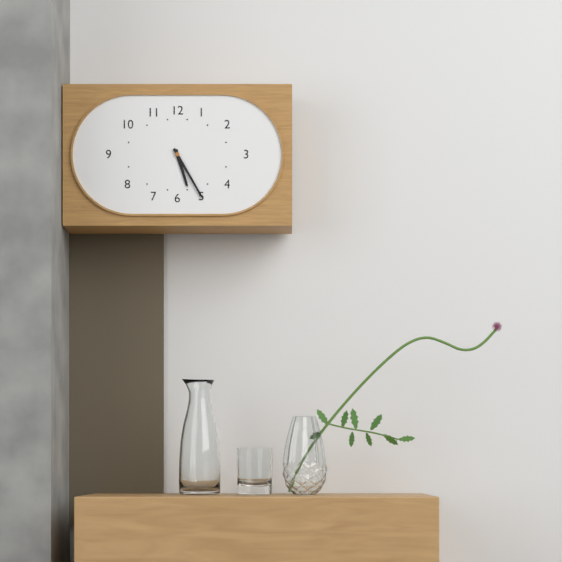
{"hour": 5, "minute": 25}
